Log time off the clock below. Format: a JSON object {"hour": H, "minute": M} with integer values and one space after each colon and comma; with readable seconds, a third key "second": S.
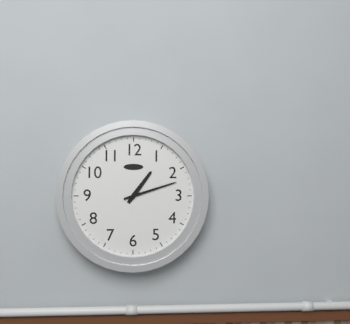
{"hour": 1, "minute": 12}
